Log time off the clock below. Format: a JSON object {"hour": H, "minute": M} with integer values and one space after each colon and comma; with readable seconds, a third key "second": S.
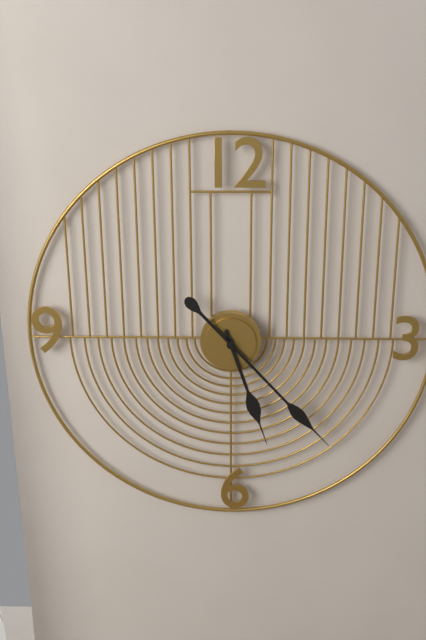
{"hour": 5, "minute": 23}
